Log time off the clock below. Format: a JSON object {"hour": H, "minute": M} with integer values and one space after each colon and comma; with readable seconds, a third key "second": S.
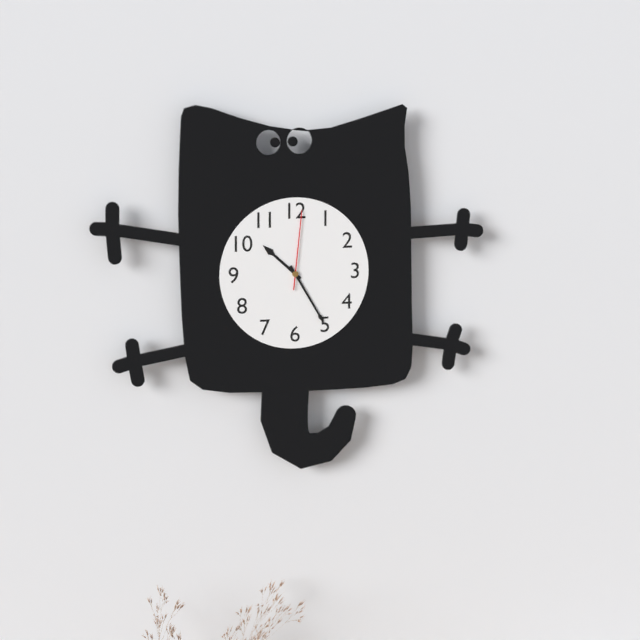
{"hour": 10, "minute": 25, "second": 1}
